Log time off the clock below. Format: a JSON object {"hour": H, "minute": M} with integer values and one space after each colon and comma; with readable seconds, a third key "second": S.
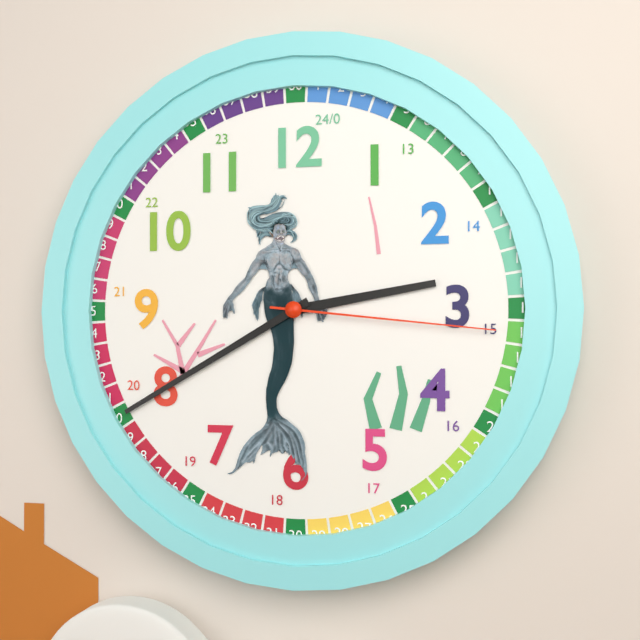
{"hour": 2, "minute": 40, "second": 16}
